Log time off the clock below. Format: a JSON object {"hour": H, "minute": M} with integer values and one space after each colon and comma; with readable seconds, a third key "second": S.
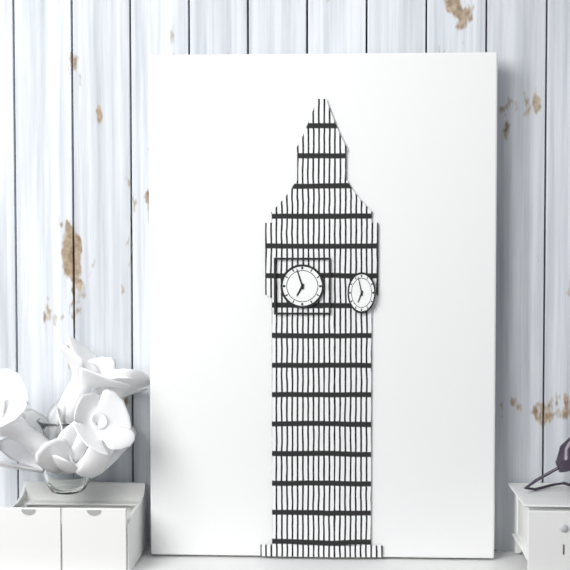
{"hour": 6, "minute": 57}
